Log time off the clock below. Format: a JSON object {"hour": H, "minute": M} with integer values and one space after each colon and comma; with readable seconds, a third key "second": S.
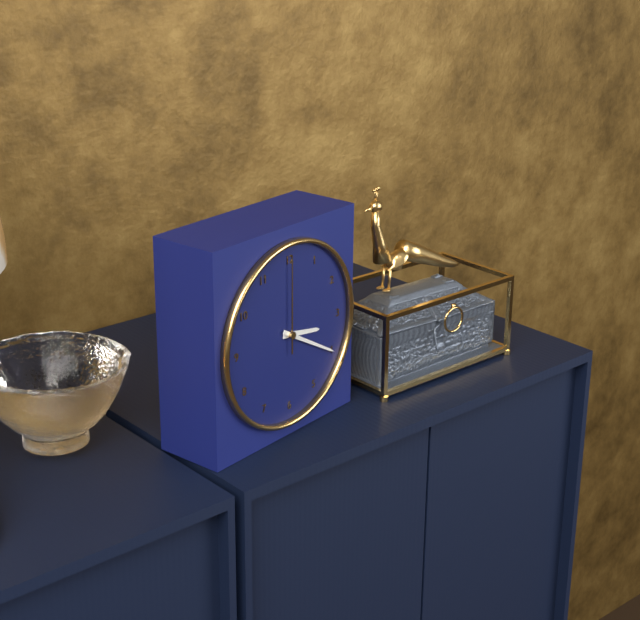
{"hour": 3, "minute": 20, "second": 0}
